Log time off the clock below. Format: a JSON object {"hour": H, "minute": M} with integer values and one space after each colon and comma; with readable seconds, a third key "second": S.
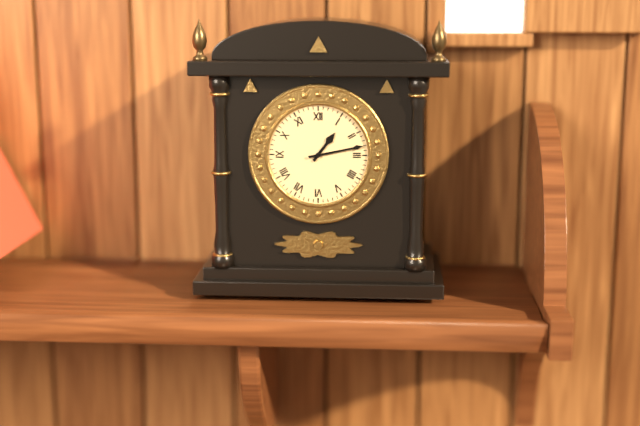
{"hour": 1, "minute": 13}
